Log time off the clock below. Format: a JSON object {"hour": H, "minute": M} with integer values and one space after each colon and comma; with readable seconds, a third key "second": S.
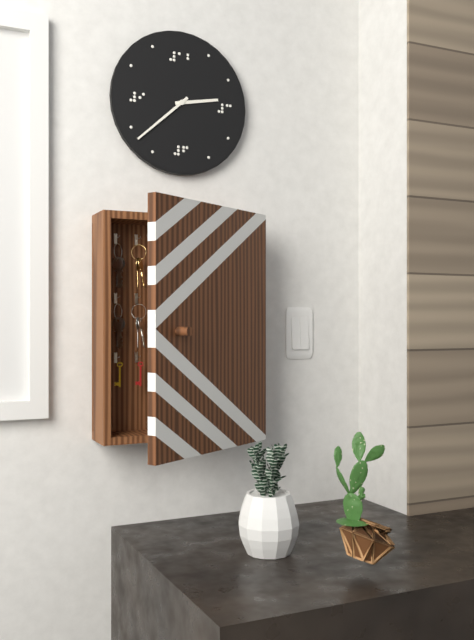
{"hour": 2, "minute": 38}
